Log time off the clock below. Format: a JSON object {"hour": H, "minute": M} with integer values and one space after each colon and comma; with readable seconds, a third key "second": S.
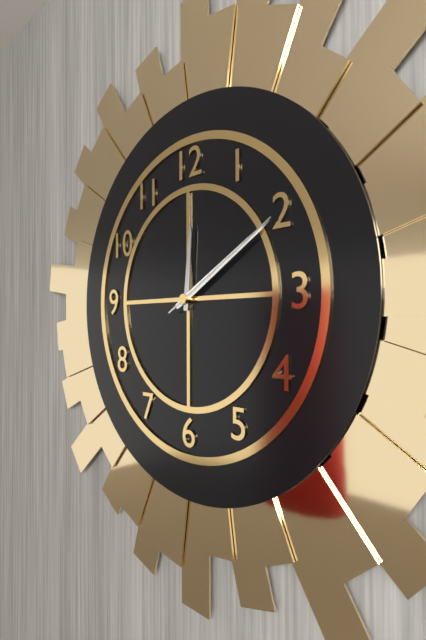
{"hour": 12, "minute": 10, "second": 10}
